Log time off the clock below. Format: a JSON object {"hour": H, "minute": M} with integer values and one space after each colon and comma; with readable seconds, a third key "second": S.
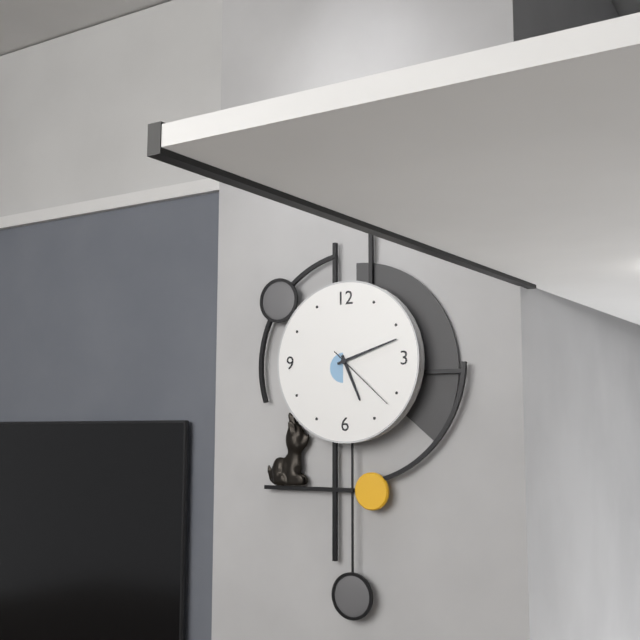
{"hour": 5, "minute": 12, "second": 22}
